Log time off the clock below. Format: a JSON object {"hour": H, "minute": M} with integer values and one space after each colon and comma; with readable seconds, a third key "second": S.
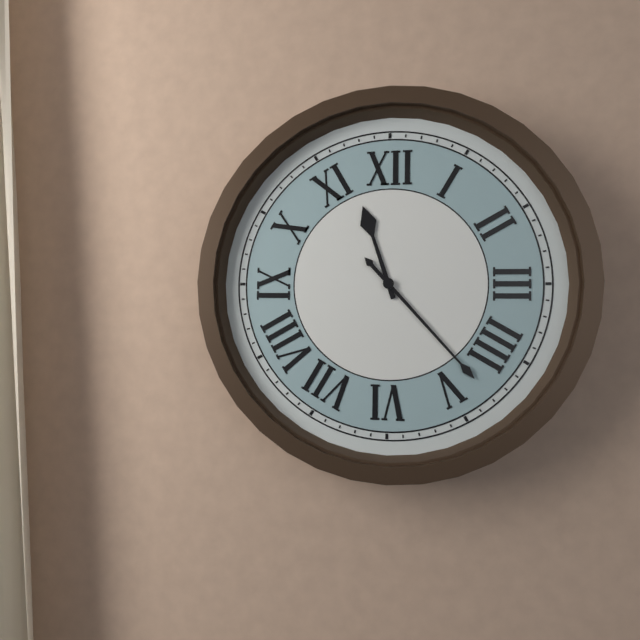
{"hour": 11, "minute": 23}
